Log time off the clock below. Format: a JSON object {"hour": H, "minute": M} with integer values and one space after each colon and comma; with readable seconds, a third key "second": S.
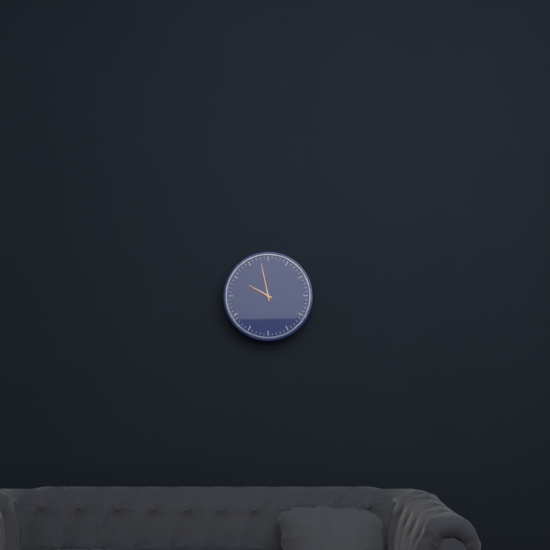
{"hour": 9, "minute": 58}
